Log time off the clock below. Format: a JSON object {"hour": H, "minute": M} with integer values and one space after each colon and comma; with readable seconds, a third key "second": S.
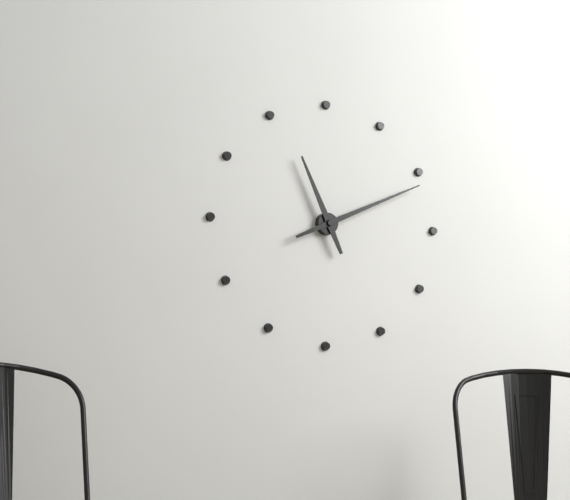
{"hour": 11, "minute": 11}
